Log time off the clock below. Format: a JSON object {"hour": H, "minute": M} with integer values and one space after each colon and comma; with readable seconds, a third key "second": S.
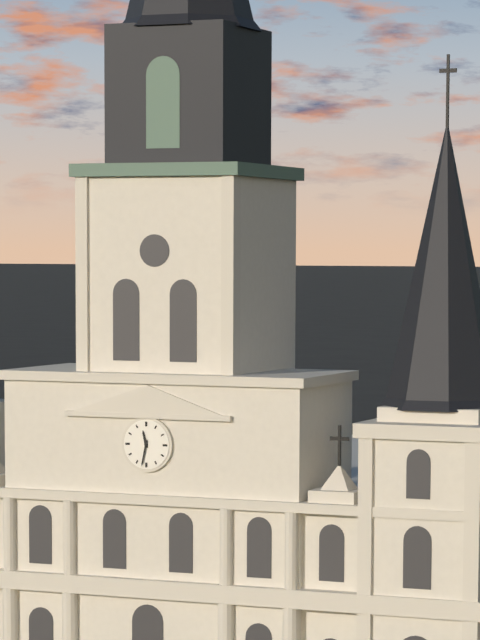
{"hour": 11, "minute": 32}
